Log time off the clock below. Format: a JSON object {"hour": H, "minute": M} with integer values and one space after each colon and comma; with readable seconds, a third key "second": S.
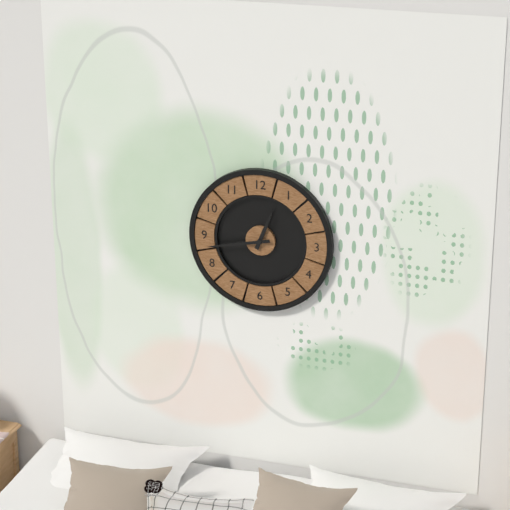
{"hour": 12, "minute": 43}
